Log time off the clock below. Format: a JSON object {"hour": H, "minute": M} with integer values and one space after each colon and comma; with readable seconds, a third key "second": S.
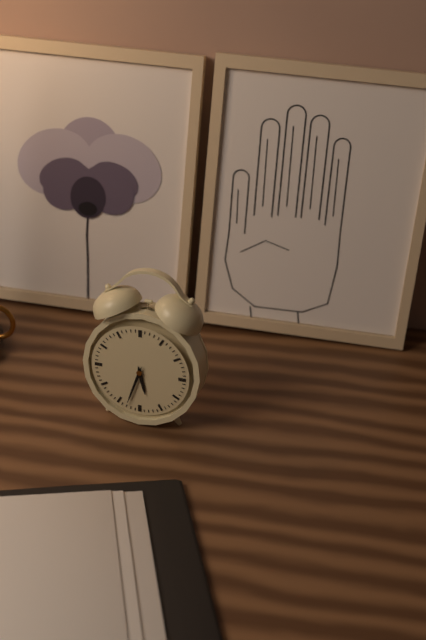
{"hour": 5, "minute": 33}
